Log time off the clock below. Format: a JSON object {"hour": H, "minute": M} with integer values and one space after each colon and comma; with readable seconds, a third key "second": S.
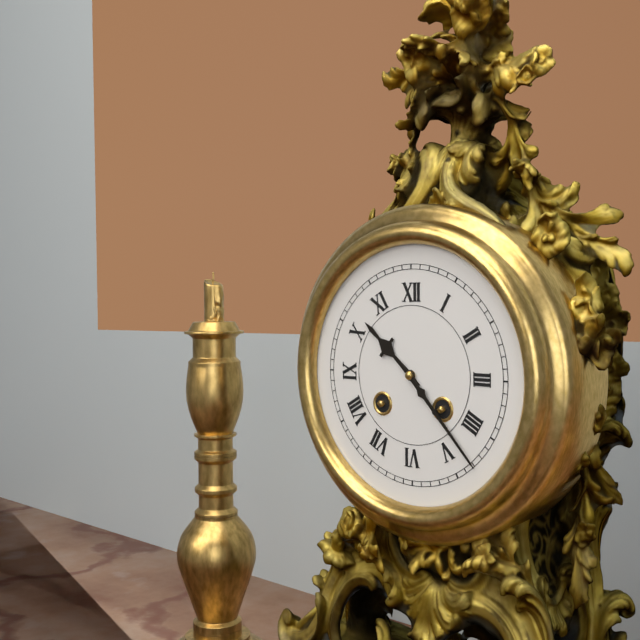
{"hour": 10, "minute": 23}
